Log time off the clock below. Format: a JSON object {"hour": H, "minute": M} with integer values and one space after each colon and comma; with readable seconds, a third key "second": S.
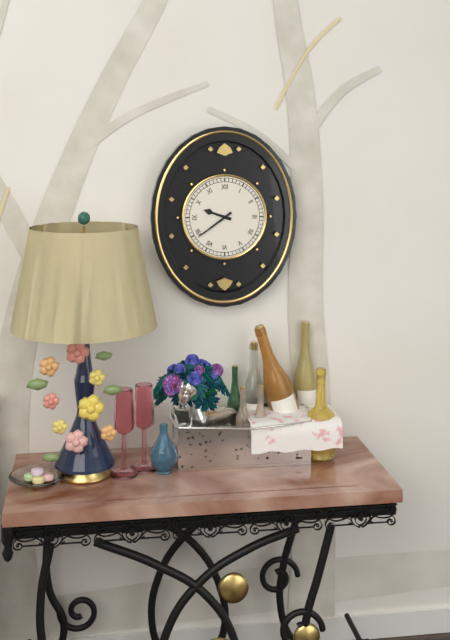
{"hour": 9, "minute": 39}
